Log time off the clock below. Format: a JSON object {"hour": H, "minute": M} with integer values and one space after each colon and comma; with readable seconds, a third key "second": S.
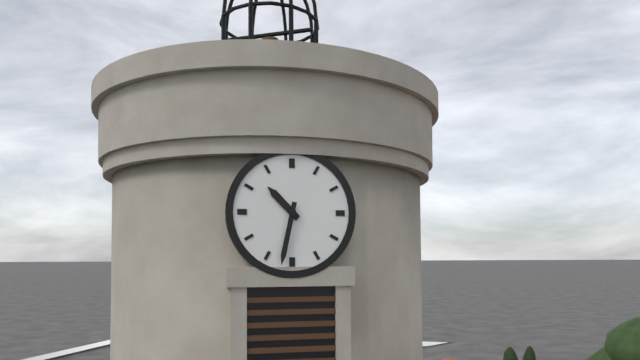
{"hour": 10, "minute": 32}
